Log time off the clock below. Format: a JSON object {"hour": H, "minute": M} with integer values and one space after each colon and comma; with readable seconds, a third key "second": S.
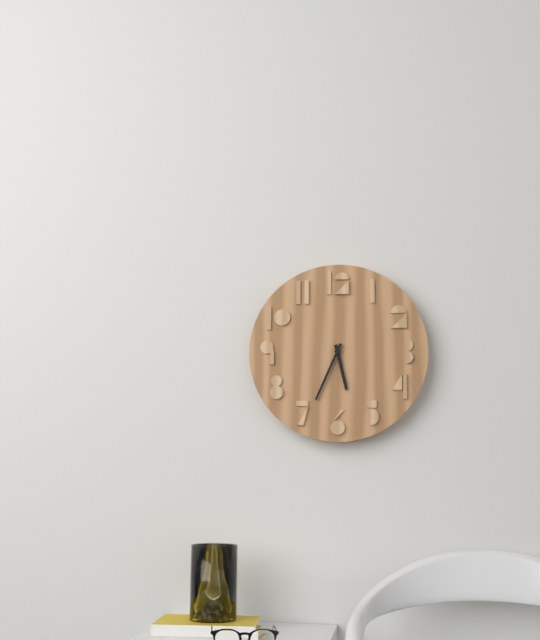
{"hour": 5, "minute": 34}
